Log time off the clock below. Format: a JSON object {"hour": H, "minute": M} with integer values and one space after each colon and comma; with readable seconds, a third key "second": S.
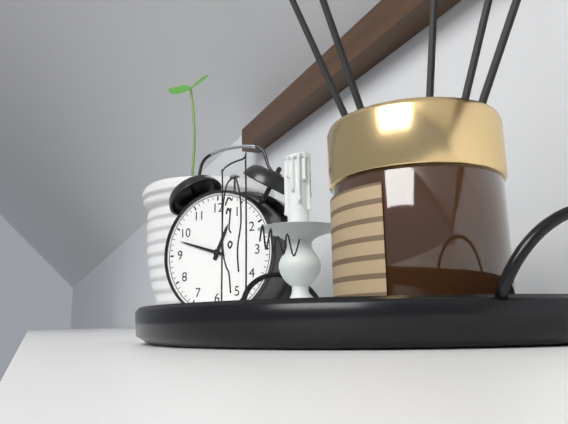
{"hour": 12, "minute": 48}
